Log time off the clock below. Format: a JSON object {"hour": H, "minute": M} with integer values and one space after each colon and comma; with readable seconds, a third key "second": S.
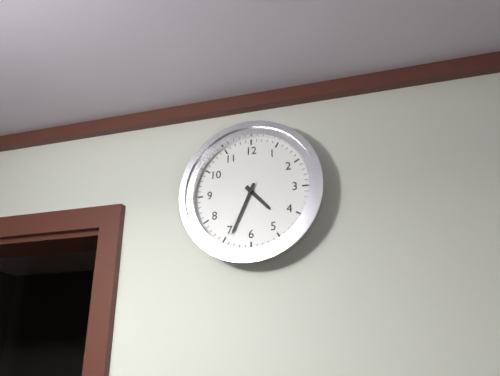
{"hour": 4, "minute": 34}
